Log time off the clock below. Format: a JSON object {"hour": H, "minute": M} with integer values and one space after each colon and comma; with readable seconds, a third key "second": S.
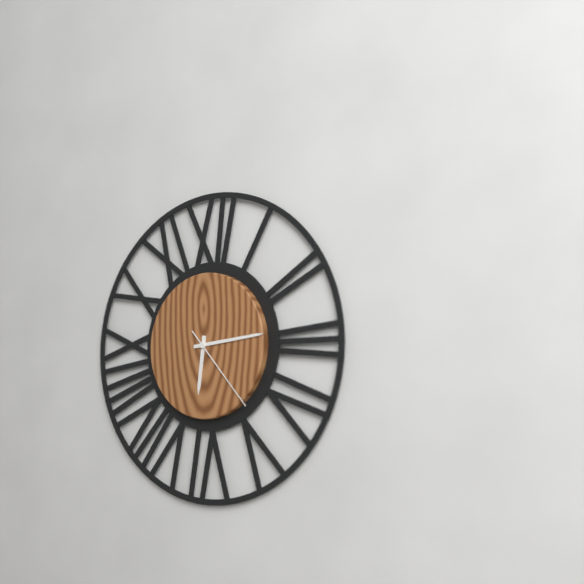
{"hour": 6, "minute": 14, "second": 23}
